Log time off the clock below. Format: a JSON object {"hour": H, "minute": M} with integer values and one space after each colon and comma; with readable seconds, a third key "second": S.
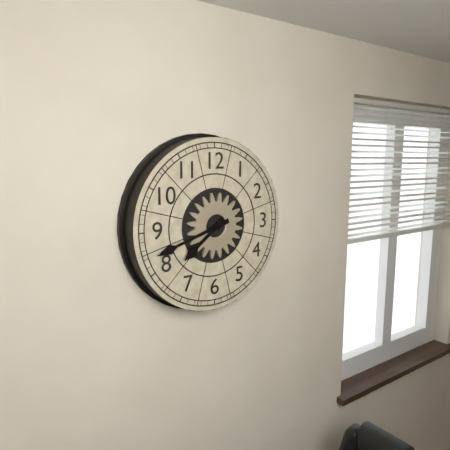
{"hour": 7, "minute": 42}
